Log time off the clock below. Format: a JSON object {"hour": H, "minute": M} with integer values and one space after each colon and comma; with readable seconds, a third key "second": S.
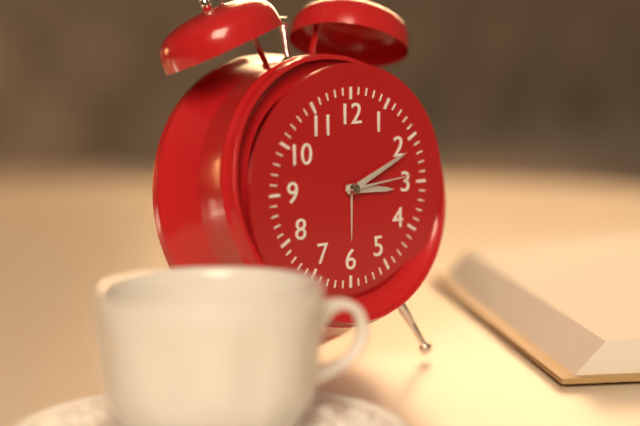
{"hour": 3, "minute": 11, "second": 14}
